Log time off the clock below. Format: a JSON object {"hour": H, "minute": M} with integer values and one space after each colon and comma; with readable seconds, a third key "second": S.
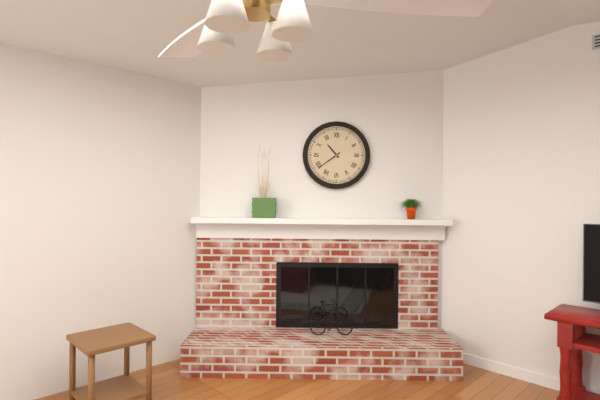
{"hour": 10, "minute": 39}
